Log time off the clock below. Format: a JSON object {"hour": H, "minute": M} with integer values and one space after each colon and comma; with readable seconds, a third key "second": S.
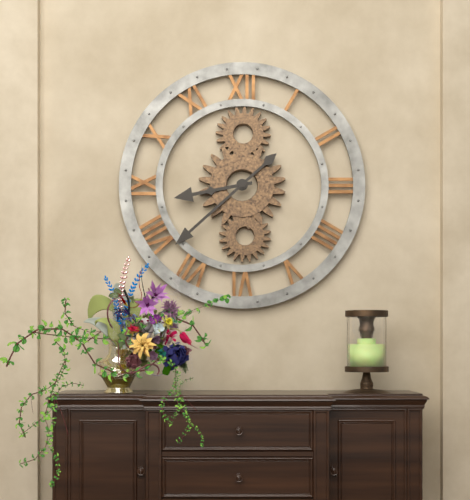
{"hour": 8, "minute": 38}
